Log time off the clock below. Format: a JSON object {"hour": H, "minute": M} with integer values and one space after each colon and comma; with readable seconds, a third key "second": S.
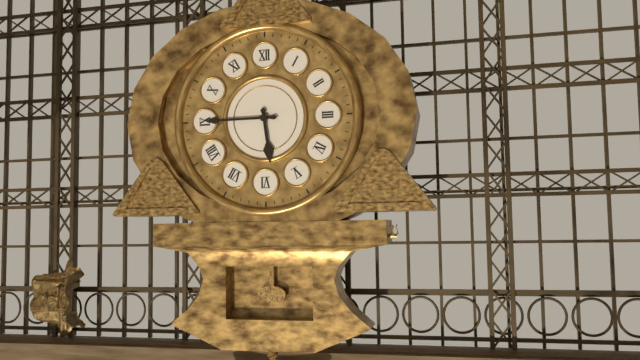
{"hour": 5, "minute": 45}
